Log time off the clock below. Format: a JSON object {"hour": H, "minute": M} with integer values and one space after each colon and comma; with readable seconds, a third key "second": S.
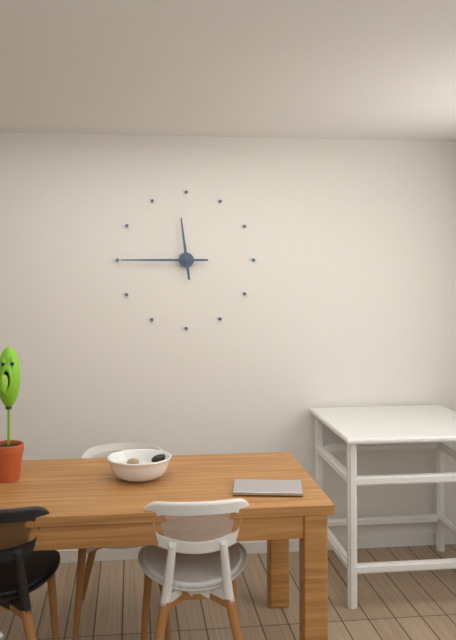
{"hour": 11, "minute": 45}
